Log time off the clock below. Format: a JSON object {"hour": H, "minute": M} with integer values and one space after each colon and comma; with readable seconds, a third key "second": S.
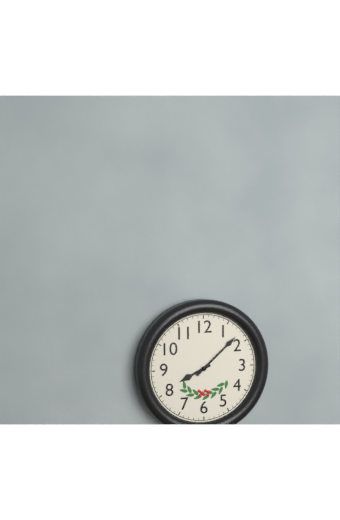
{"hour": 8, "minute": 8}
